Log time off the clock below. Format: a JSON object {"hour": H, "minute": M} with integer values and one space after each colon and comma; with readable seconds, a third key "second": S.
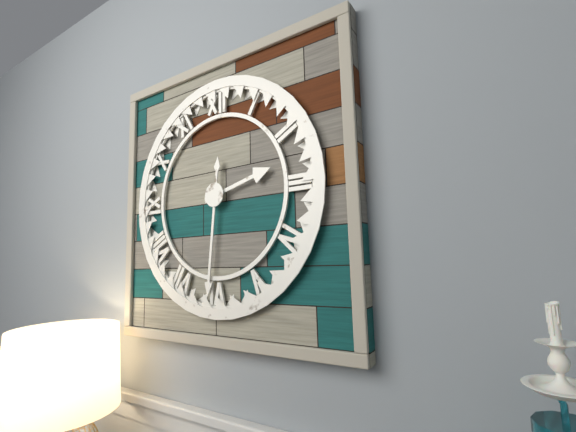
{"hour": 2, "minute": 31}
